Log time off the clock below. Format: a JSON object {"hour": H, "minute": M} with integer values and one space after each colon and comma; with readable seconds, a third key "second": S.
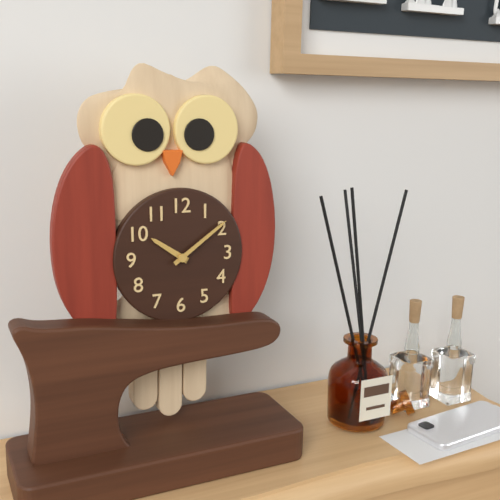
{"hour": 10, "minute": 9}
